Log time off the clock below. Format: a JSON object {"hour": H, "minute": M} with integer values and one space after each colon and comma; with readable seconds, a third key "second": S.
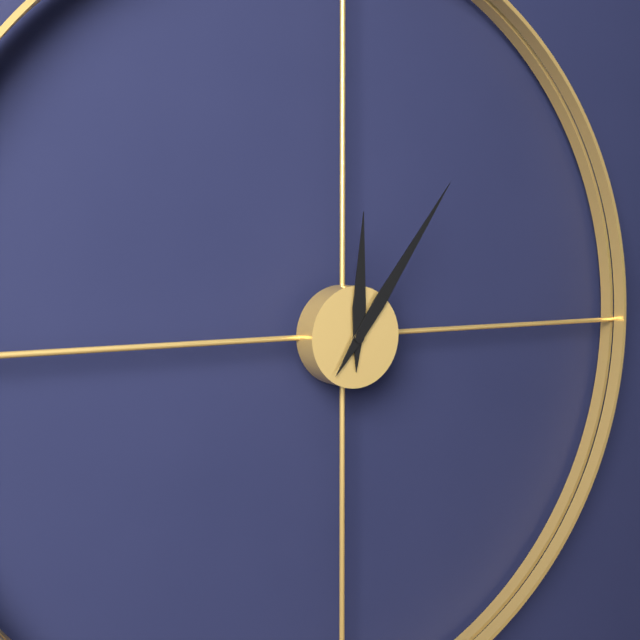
{"hour": 12, "minute": 6}
